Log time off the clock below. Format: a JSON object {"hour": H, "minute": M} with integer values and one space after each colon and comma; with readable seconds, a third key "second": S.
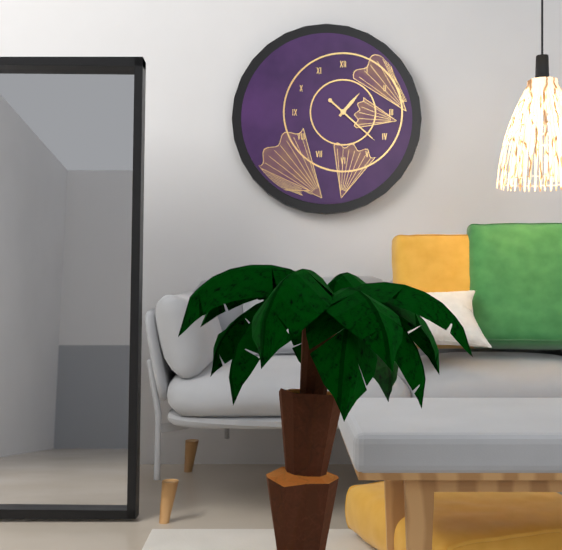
{"hour": 1, "minute": 22}
